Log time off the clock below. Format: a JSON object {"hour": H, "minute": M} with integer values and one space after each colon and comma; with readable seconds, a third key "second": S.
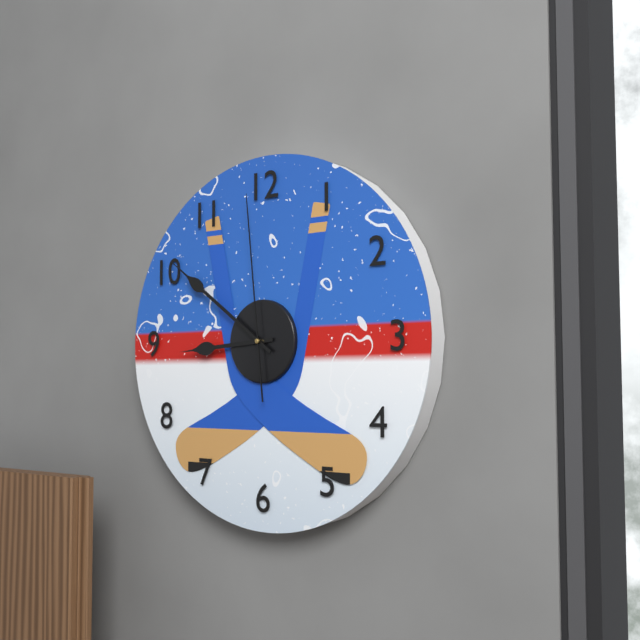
{"hour": 8, "minute": 51, "second": 59}
